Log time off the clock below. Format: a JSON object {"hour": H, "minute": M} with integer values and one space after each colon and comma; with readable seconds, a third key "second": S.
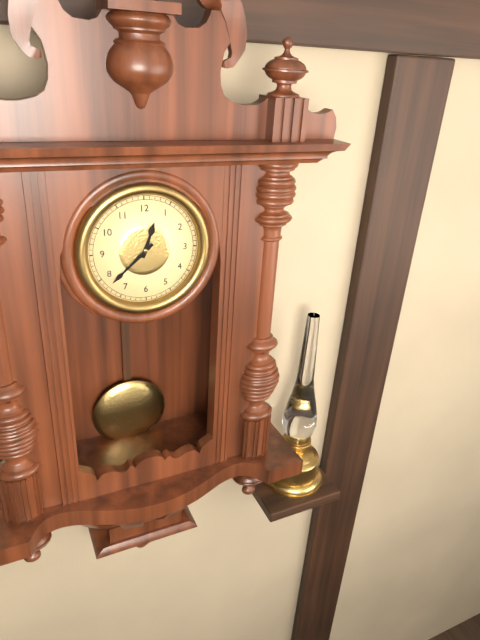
{"hour": 12, "minute": 38}
